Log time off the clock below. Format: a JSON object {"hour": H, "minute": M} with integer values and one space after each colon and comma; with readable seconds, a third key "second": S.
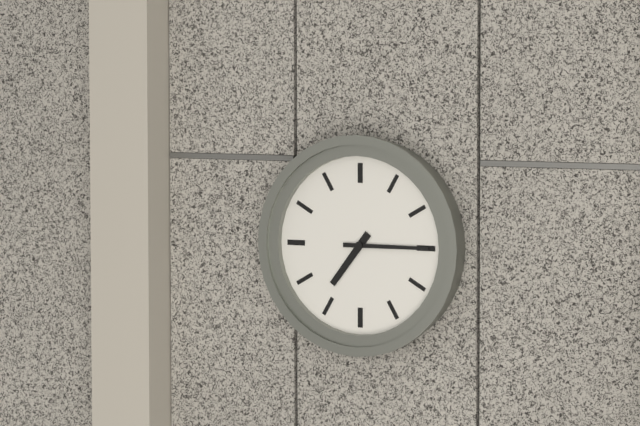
{"hour": 7, "minute": 15}
